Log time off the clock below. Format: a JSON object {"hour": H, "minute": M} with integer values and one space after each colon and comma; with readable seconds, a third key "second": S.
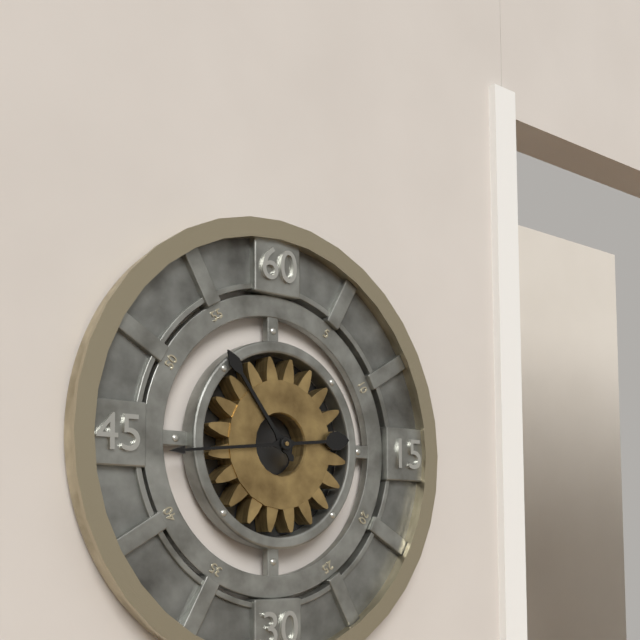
{"hour": 10, "minute": 44}
